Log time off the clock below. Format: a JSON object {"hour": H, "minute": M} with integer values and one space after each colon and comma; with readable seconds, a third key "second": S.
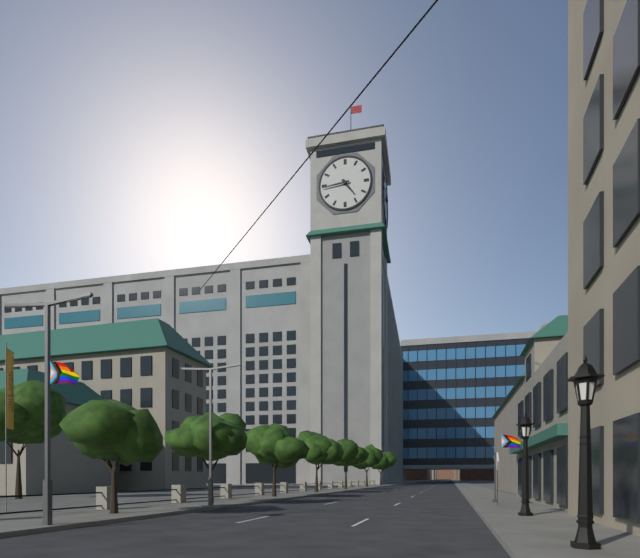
{"hour": 4, "minute": 44}
